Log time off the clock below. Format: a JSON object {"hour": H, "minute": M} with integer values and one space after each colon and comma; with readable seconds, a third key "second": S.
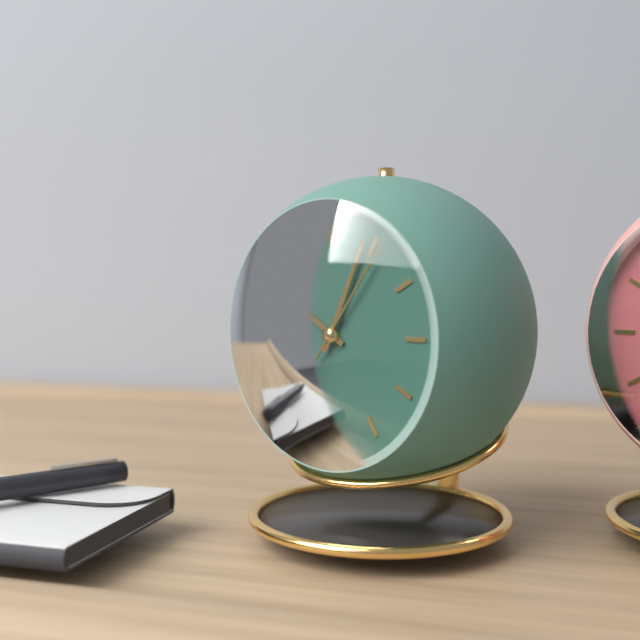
{"hour": 10, "minute": 4, "second": 6}
